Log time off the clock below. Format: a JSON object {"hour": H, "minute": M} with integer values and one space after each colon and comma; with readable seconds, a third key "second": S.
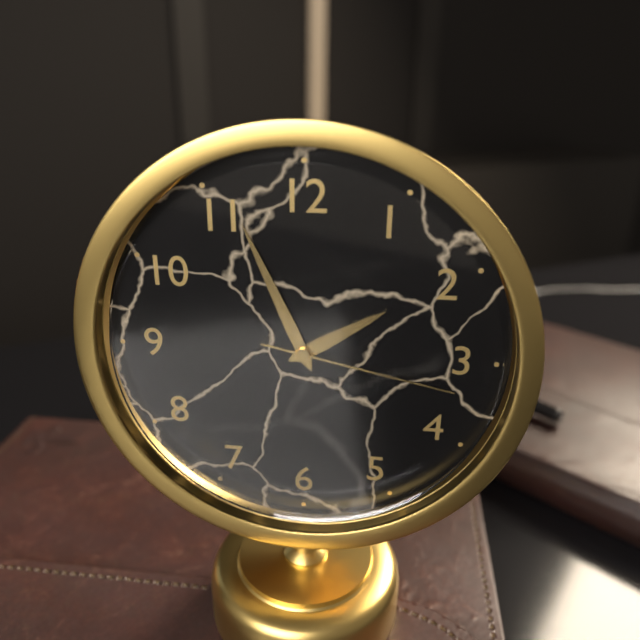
{"hour": 1, "minute": 56, "second": 17}
